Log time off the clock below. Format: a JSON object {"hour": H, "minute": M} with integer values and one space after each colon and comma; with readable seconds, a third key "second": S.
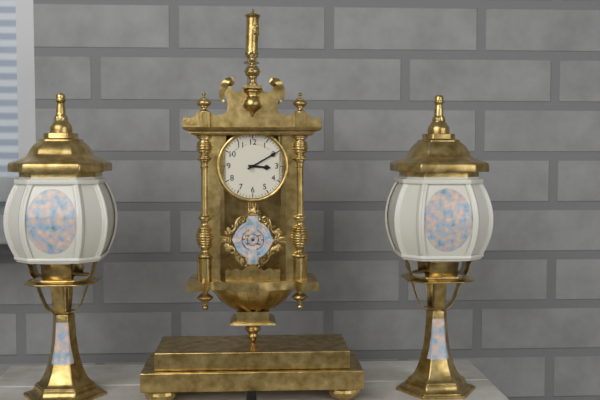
{"hour": 3, "minute": 10}
